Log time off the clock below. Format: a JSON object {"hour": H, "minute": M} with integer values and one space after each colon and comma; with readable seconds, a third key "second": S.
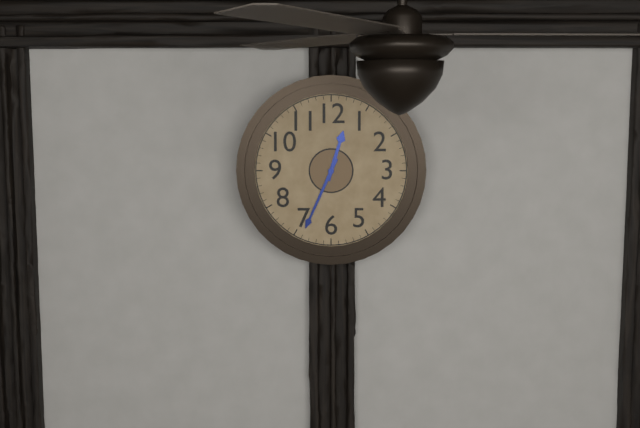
{"hour": 12, "minute": 34}
